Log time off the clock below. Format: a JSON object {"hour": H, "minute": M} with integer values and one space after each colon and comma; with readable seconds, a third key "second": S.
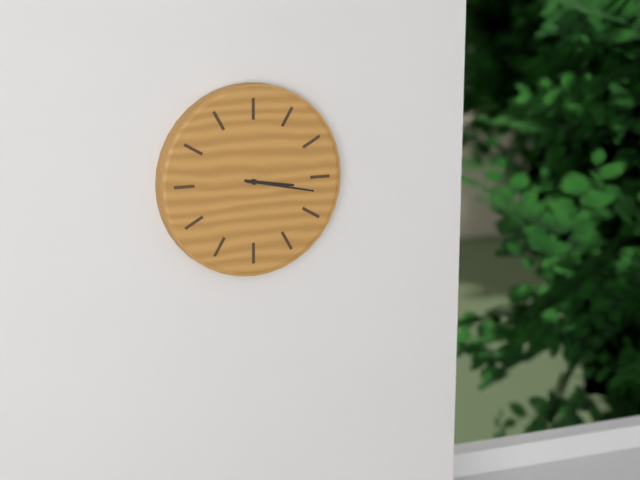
{"hour": 3, "minute": 17}
